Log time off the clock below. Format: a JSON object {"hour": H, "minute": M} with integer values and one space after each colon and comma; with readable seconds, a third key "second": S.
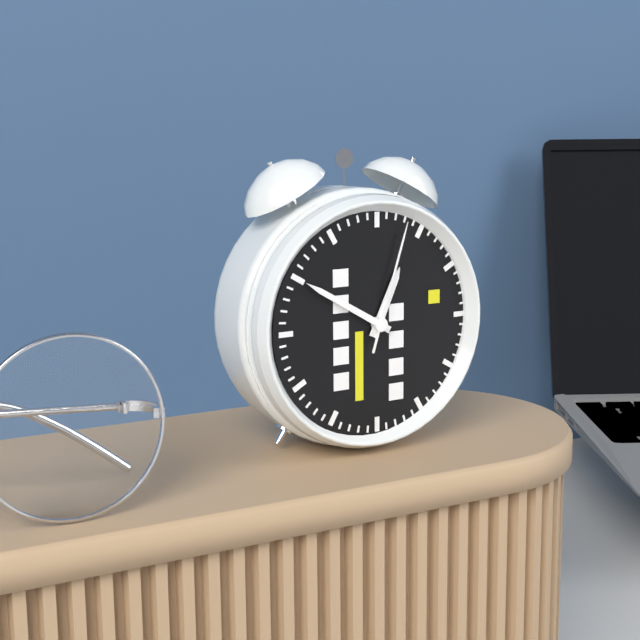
{"hour": 12, "minute": 50, "second": 3}
